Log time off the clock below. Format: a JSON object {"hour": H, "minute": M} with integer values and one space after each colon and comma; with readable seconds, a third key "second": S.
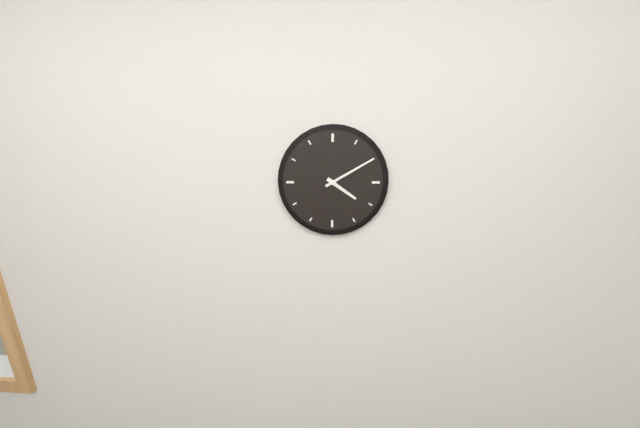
{"hour": 4, "minute": 10}
